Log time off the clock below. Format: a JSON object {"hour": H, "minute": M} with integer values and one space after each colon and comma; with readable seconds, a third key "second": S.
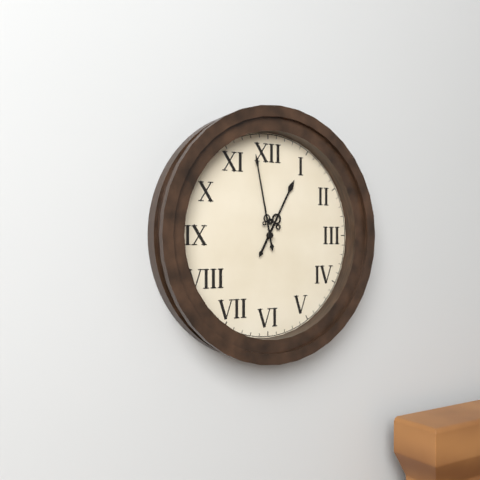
{"hour": 12, "minute": 58}
